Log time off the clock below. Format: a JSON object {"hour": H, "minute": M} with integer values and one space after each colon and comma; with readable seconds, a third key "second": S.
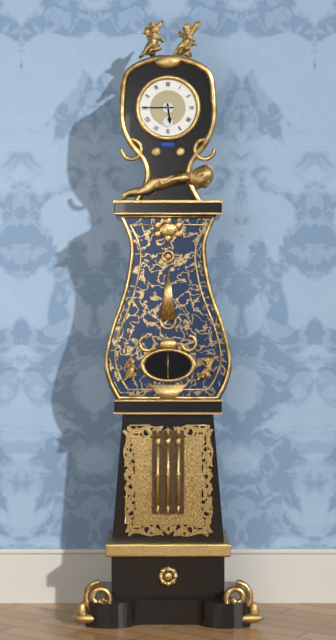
{"hour": 5, "minute": 45}
